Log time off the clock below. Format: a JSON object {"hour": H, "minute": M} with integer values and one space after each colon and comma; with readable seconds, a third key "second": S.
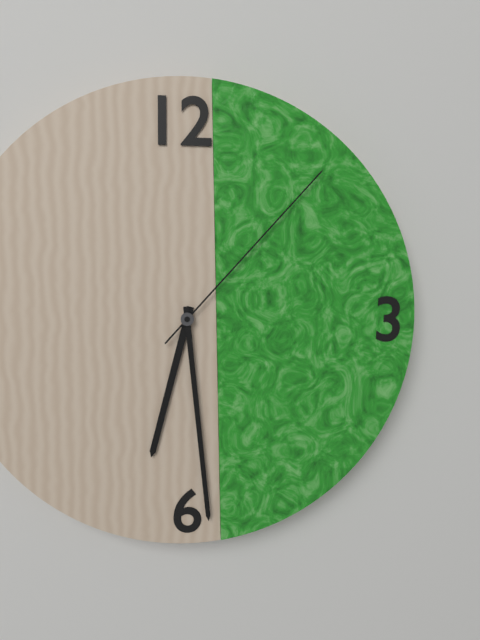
{"hour": 6, "minute": 29, "second": 7}
